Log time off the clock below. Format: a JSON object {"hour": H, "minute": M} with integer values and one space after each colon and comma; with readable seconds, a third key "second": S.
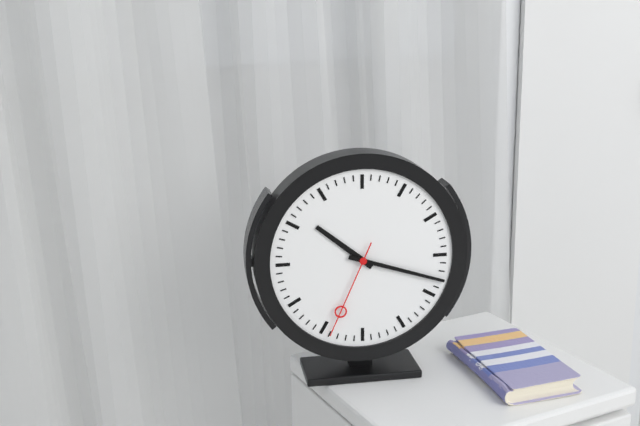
{"hour": 10, "minute": 18, "second": 34}
